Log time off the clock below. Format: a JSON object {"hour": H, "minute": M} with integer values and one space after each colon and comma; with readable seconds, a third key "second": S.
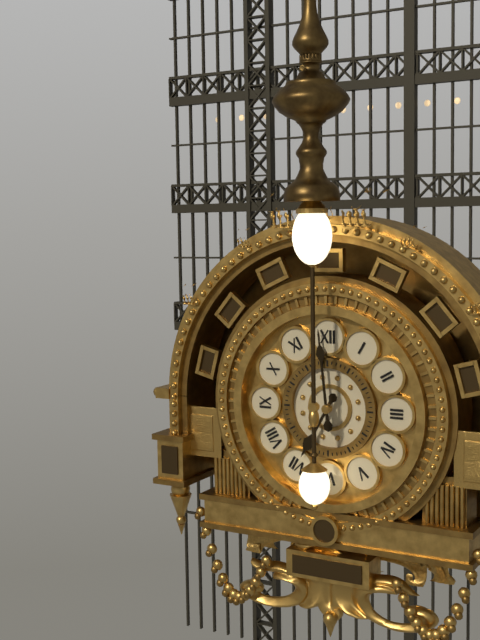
{"hour": 6, "minute": 59}
